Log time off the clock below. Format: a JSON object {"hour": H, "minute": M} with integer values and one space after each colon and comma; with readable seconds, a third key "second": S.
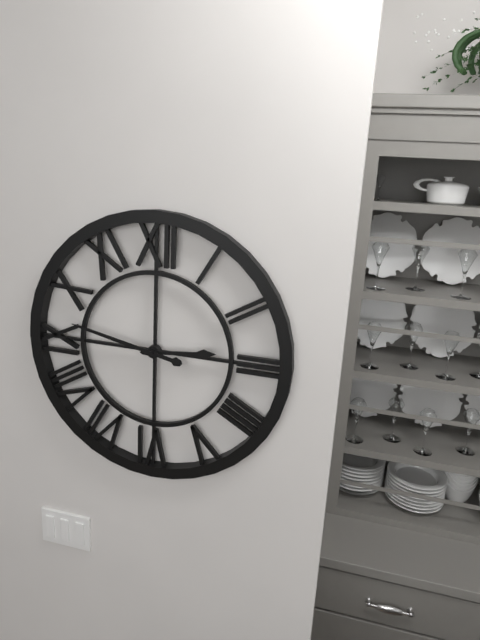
{"hour": 2, "minute": 47}
